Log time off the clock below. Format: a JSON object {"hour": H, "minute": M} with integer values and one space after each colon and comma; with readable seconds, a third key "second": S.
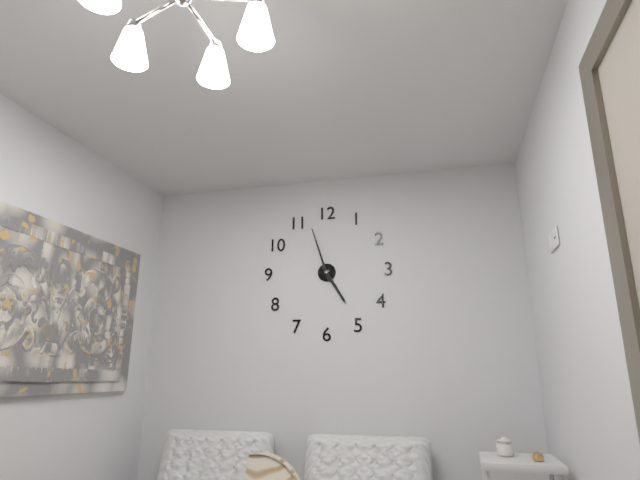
{"hour": 4, "minute": 57}
